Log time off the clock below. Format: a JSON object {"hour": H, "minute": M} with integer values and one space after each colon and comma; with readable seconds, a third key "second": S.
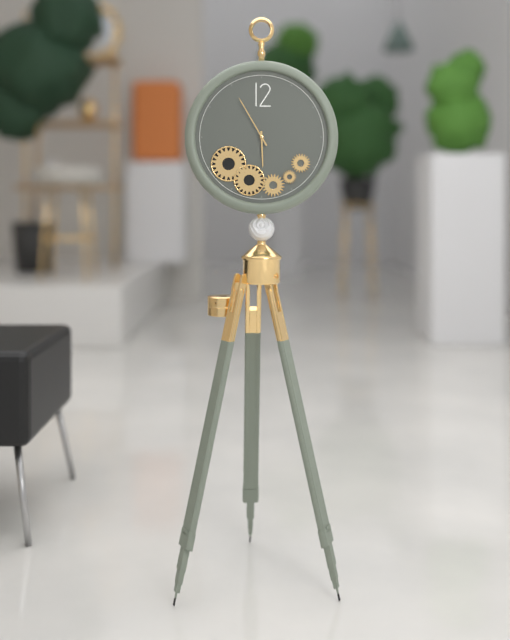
{"hour": 5, "minute": 55}
